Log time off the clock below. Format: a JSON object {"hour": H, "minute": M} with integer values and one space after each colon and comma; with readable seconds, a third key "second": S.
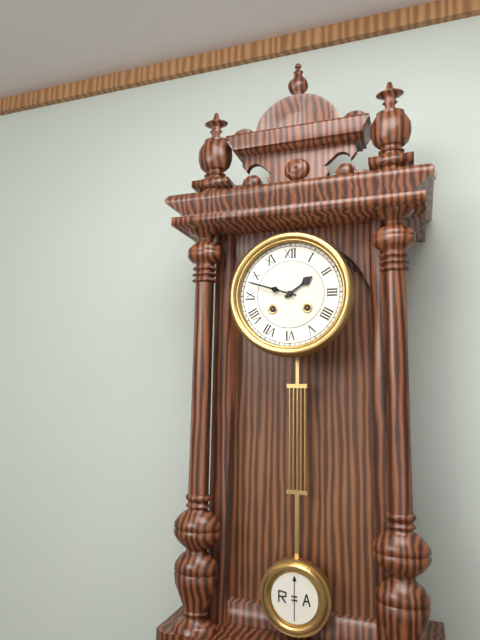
{"hour": 1, "minute": 48}
